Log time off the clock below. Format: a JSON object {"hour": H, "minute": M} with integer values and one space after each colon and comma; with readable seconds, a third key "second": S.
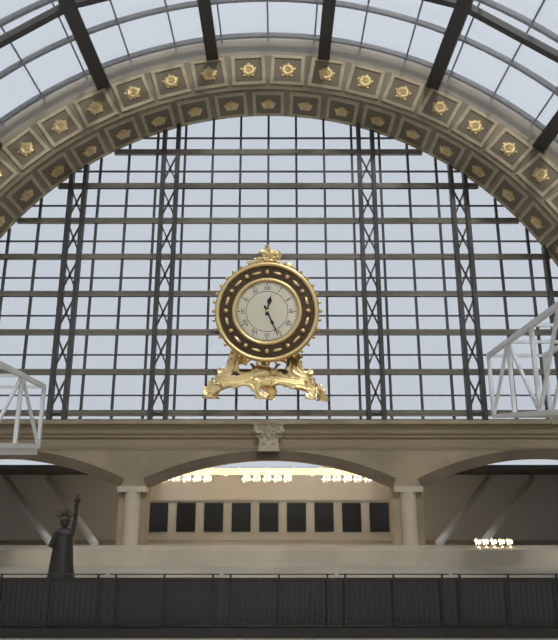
{"hour": 12, "minute": 26}
